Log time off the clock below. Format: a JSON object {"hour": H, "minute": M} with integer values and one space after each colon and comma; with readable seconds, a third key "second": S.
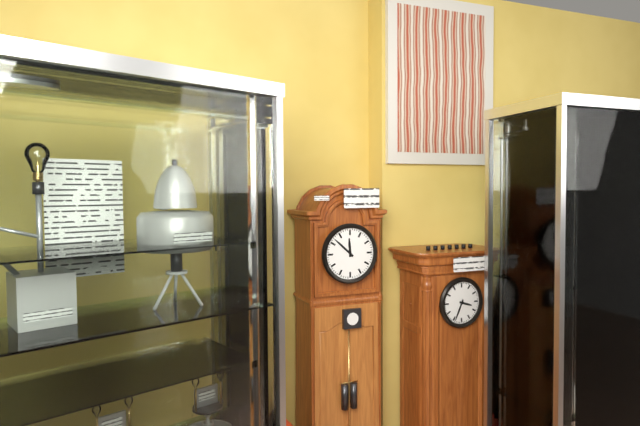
{"hour": 11, "minute": 52}
